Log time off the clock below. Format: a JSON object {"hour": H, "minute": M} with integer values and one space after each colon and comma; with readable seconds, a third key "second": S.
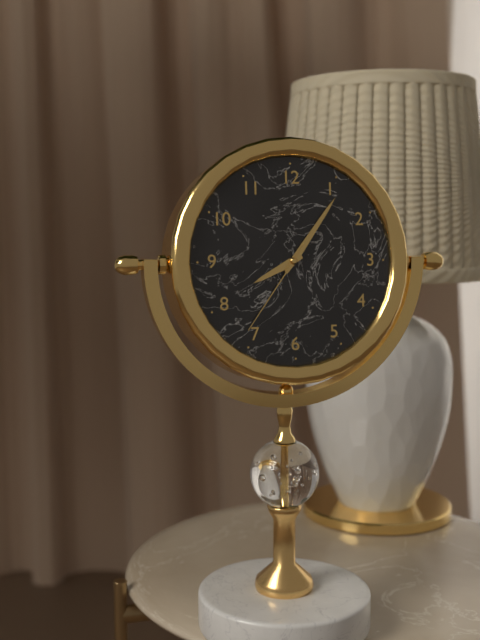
{"hour": 8, "minute": 6, "second": 36}
